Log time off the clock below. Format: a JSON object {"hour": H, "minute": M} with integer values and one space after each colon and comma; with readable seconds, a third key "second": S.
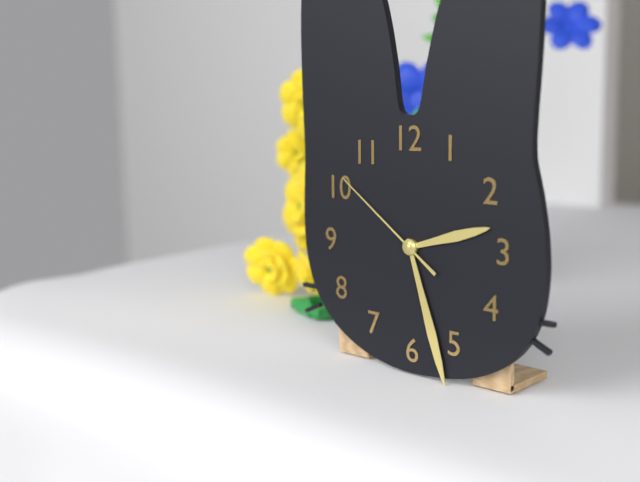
{"hour": 2, "minute": 27, "second": 51}
